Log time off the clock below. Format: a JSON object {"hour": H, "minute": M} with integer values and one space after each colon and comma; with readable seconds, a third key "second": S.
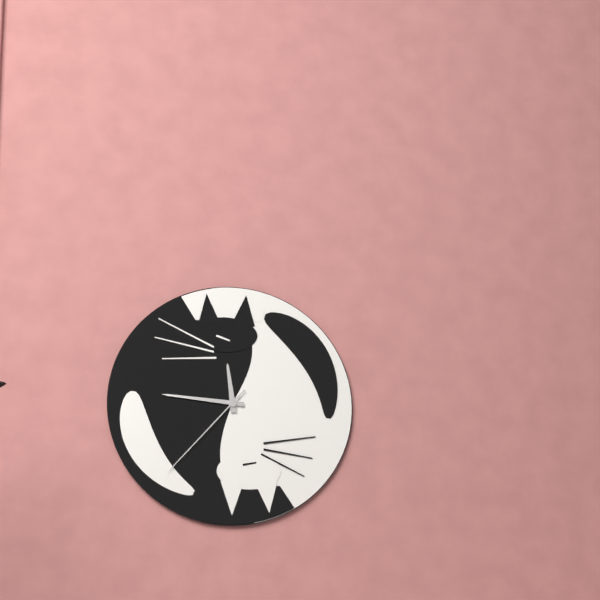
{"hour": 11, "minute": 46, "second": 37}
